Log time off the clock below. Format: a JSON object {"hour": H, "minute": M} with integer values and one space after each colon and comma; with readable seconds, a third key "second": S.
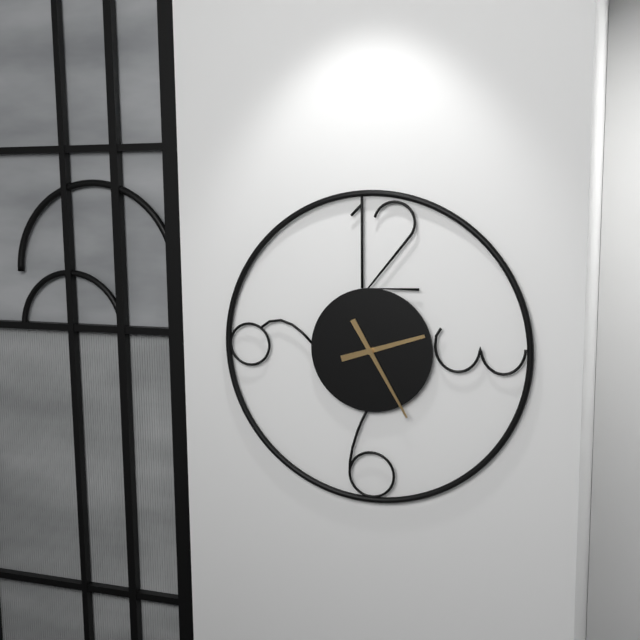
{"hour": 2, "minute": 25}
